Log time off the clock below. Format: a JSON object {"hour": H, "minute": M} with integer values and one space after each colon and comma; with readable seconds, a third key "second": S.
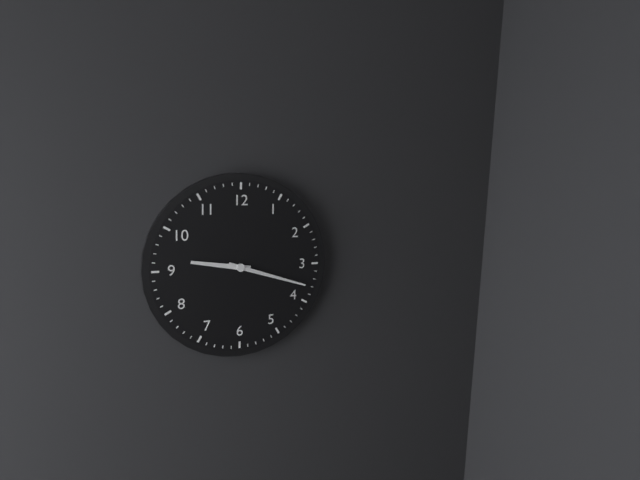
{"hour": 9, "minute": 18}
